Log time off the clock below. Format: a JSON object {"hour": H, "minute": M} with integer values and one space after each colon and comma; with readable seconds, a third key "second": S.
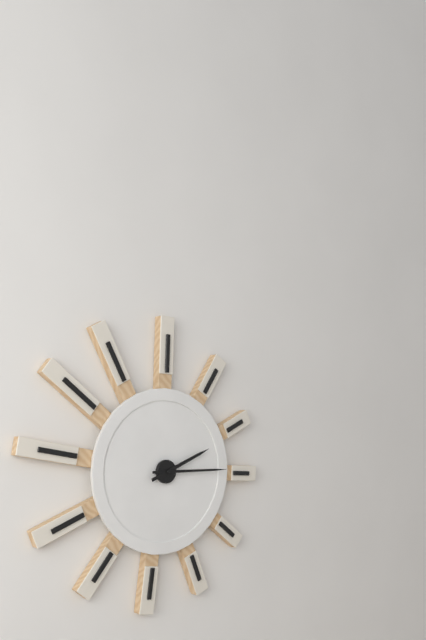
{"hour": 2, "minute": 15}
